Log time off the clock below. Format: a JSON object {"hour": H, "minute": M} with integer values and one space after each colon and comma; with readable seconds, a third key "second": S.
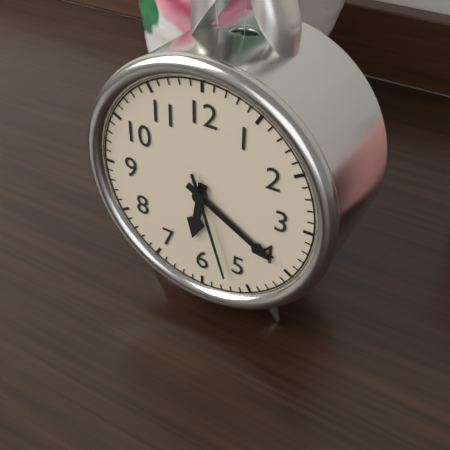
{"hour": 6, "minute": 20, "second": 27}
